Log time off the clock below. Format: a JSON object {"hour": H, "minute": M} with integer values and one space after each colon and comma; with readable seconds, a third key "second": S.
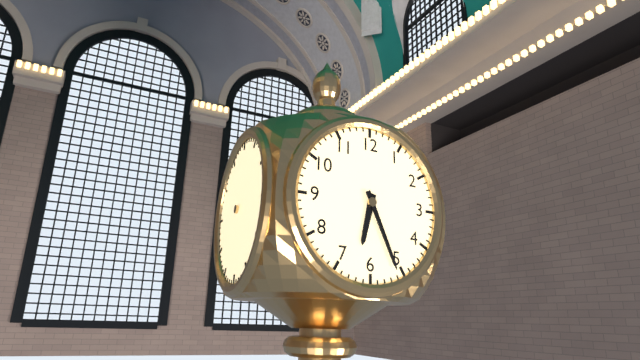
{"hour": 6, "minute": 26}
